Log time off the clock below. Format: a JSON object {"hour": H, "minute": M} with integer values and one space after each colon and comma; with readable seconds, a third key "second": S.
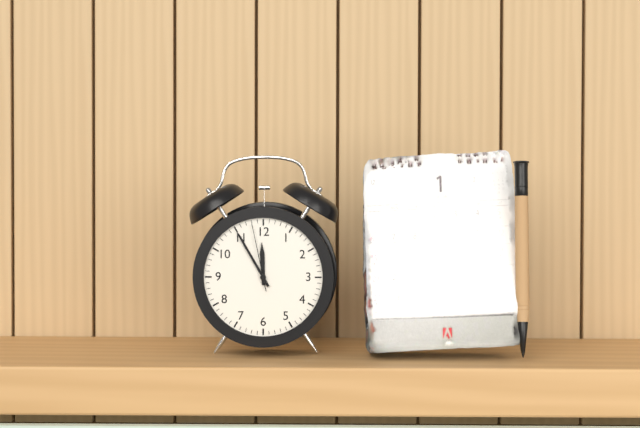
{"hour": 11, "minute": 55, "second": 58}
